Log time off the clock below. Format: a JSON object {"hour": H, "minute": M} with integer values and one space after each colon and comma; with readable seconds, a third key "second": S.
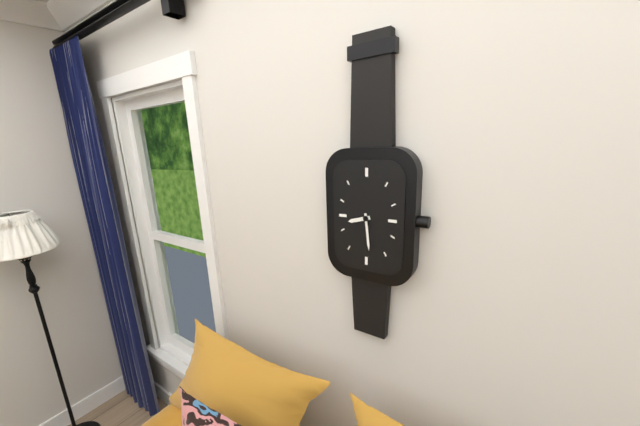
{"hour": 8, "minute": 29}
